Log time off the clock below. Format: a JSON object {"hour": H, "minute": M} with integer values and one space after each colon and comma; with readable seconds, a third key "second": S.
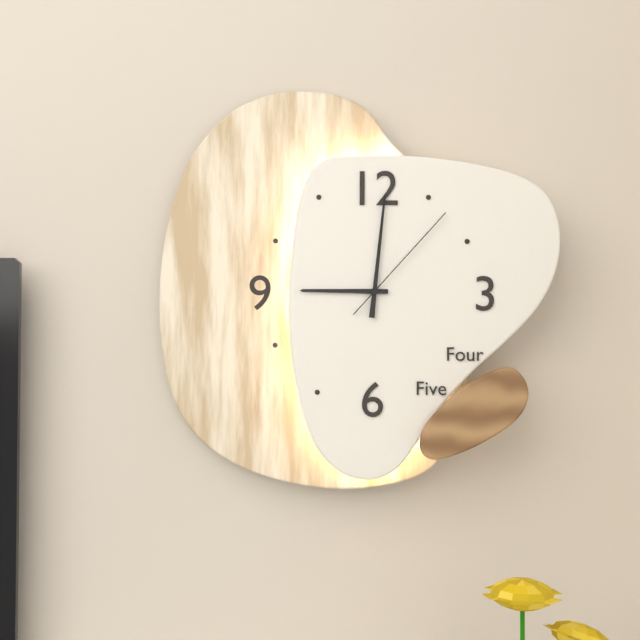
{"hour": 9, "minute": 1, "second": 7}
